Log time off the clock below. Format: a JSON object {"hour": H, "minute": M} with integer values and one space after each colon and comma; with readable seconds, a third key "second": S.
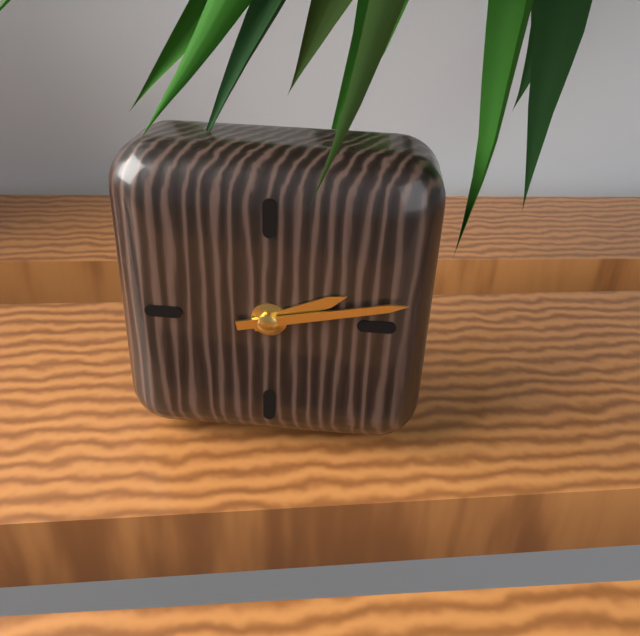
{"hour": 2, "minute": 13}
